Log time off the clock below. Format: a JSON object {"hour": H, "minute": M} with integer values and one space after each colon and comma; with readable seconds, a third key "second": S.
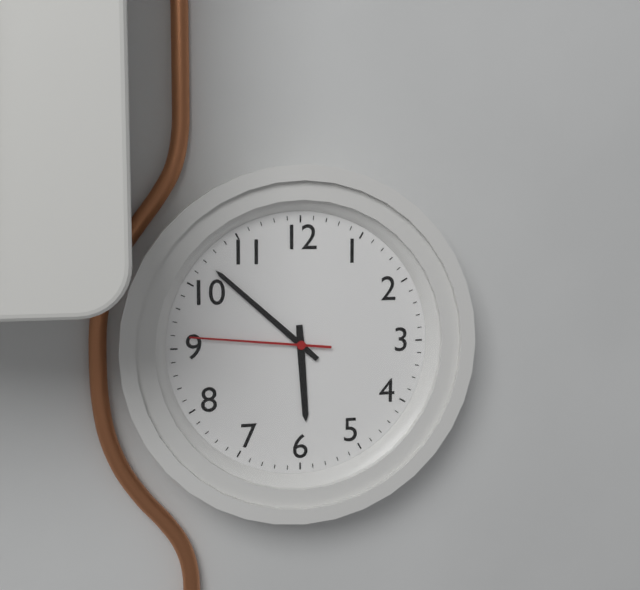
{"hour": 5, "minute": 52, "second": 46}
